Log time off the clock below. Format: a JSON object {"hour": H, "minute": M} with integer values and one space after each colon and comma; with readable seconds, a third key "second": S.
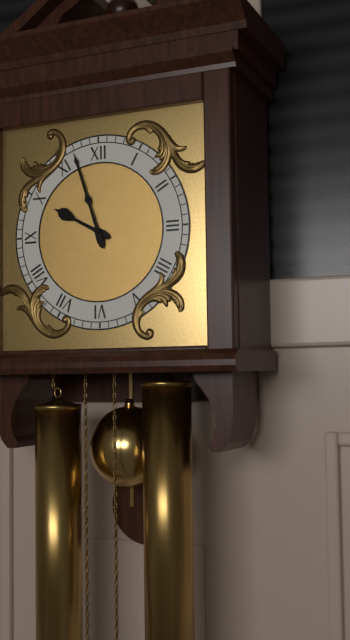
{"hour": 9, "minute": 57}
